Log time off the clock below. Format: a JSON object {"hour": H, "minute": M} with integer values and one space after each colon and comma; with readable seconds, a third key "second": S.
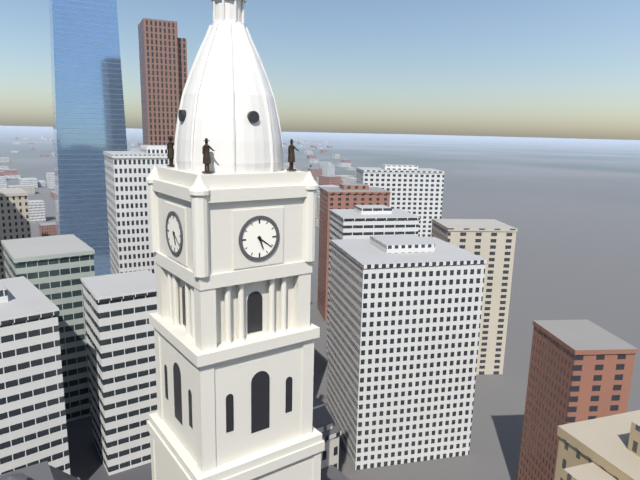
{"hour": 5, "minute": 21}
